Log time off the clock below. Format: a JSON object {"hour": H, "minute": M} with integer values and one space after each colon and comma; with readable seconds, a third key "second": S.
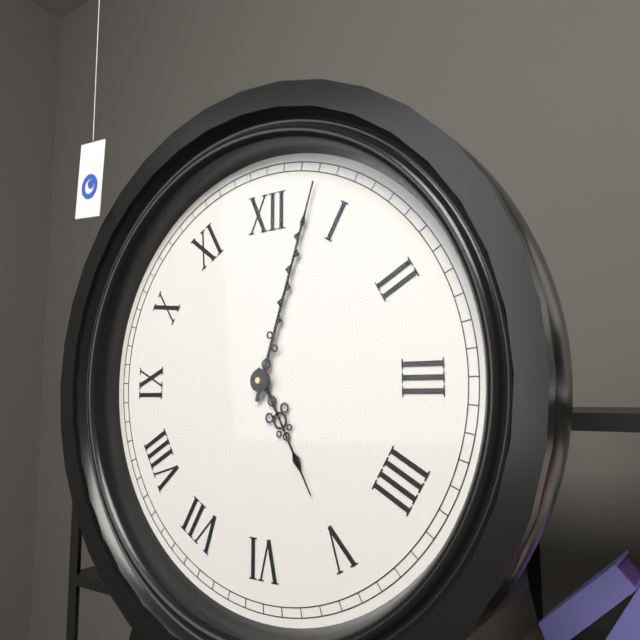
{"hour": 5, "minute": 3}
